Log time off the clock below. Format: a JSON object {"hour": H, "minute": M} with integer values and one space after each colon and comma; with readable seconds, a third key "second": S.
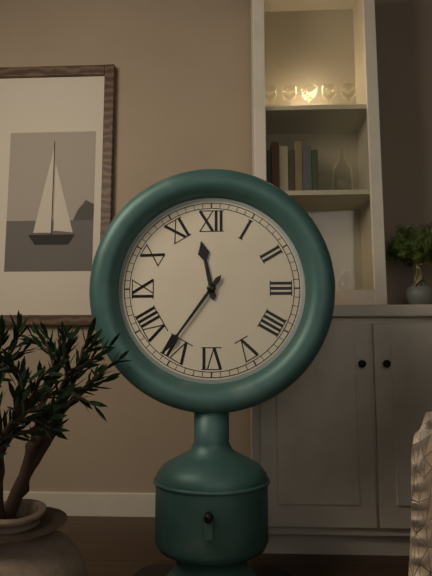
{"hour": 11, "minute": 36}
